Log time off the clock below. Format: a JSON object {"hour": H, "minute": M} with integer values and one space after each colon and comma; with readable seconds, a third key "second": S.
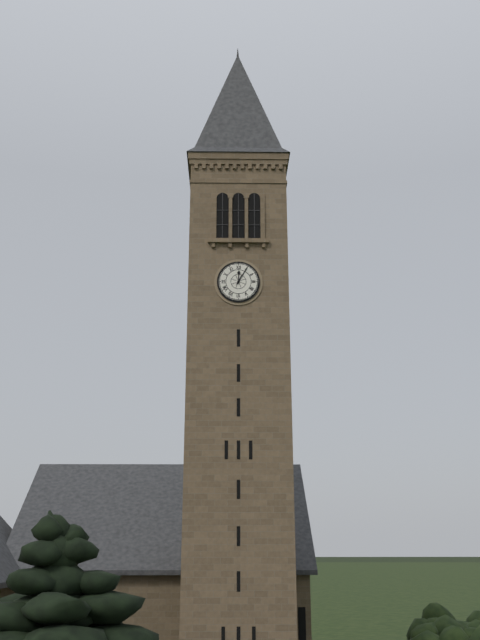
{"hour": 12, "minute": 5}
